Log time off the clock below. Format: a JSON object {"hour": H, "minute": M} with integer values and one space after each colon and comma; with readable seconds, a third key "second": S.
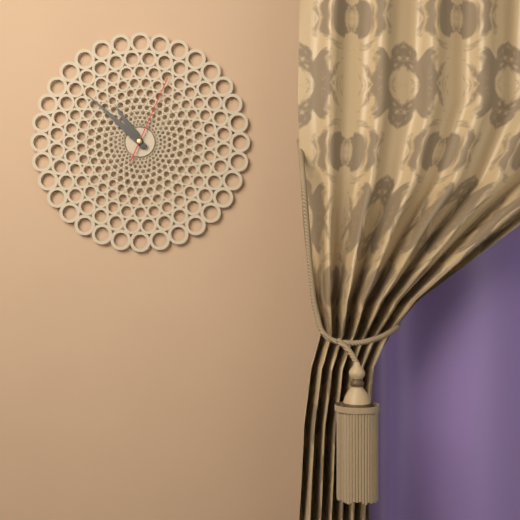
{"hour": 10, "minute": 52, "second": 4}
